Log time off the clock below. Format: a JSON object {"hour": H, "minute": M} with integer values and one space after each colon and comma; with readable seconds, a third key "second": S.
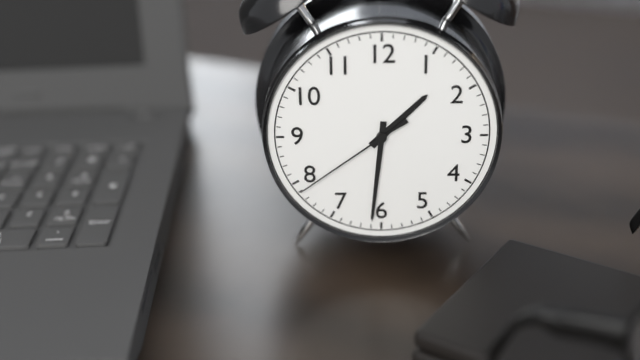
{"hour": 1, "minute": 31, "second": 39}
